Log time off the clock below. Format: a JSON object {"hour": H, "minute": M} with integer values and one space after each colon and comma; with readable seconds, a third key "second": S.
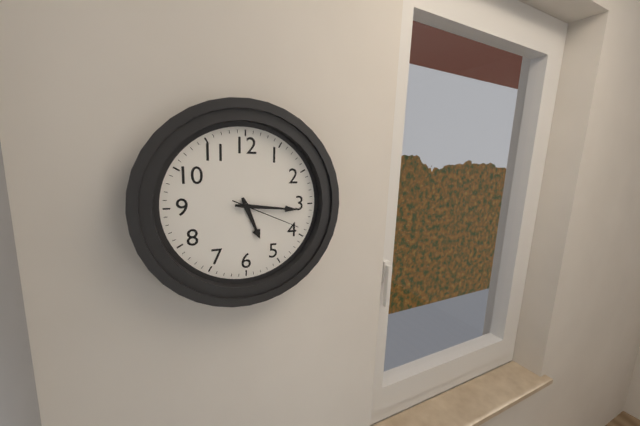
{"hour": 5, "minute": 16, "second": 19}
